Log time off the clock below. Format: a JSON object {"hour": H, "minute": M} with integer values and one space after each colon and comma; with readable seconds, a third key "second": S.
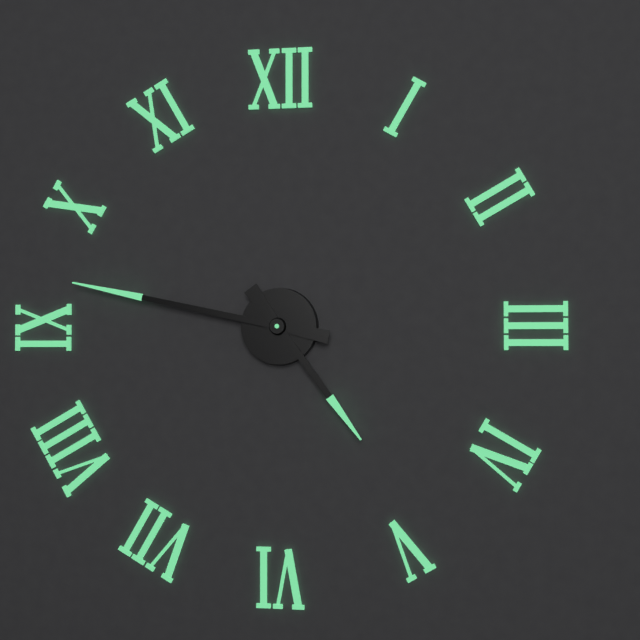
{"hour": 4, "minute": 47}
